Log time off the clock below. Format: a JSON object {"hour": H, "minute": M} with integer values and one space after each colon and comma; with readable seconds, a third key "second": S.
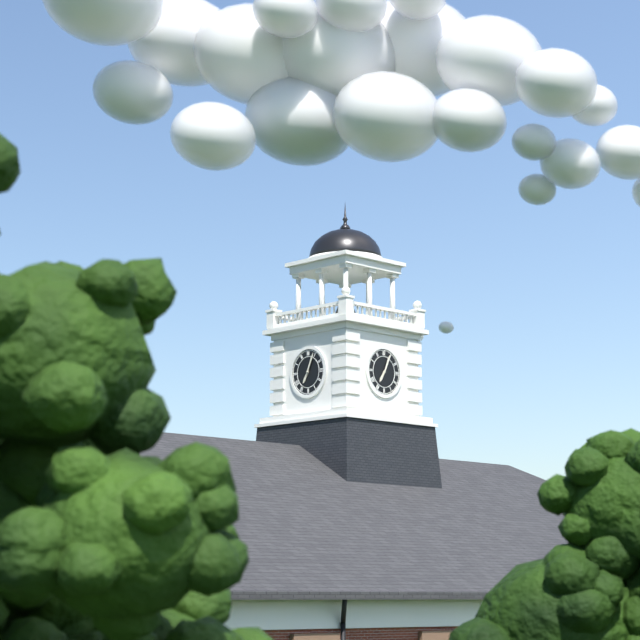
{"hour": 7, "minute": 4}
